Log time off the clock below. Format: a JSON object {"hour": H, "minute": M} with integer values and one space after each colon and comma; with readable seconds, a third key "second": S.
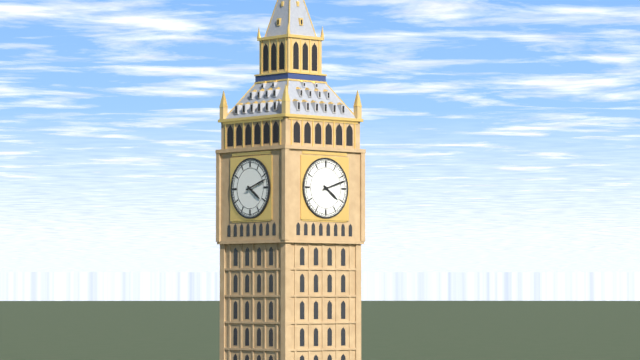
{"hour": 4, "minute": 12}
